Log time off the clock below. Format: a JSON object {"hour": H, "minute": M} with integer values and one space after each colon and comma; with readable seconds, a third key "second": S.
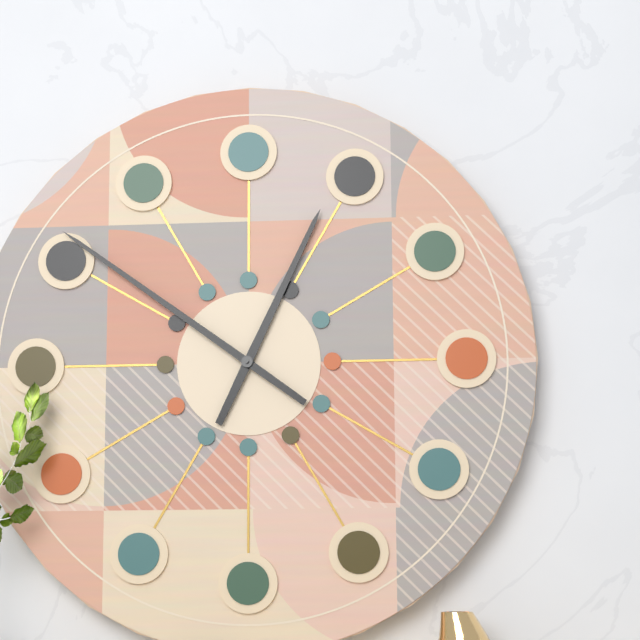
{"hour": 12, "minute": 51}
